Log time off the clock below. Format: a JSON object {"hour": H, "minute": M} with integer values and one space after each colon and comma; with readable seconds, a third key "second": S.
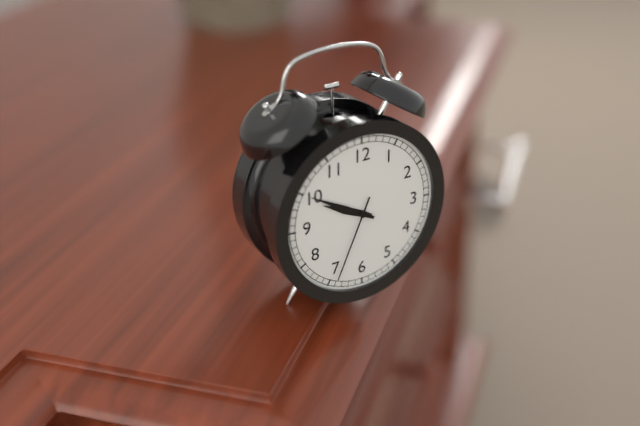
{"hour": 9, "minute": 50, "second": 34}
